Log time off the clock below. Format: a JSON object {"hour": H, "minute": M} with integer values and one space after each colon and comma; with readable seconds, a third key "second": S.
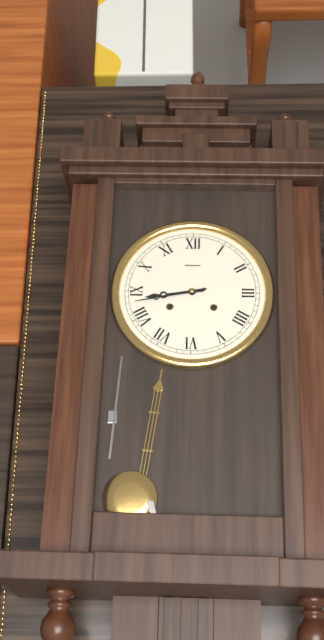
{"hour": 8, "minute": 43}
